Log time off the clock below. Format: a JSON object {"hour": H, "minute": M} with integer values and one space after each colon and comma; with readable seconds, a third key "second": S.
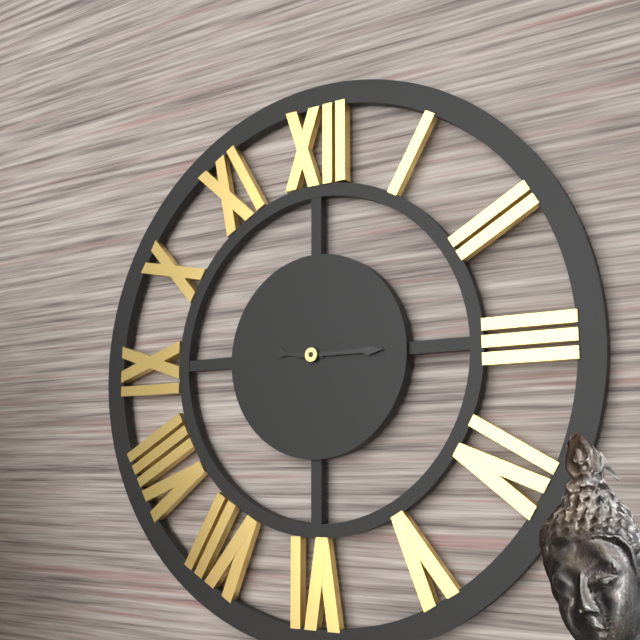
{"hour": 9, "minute": 15}
